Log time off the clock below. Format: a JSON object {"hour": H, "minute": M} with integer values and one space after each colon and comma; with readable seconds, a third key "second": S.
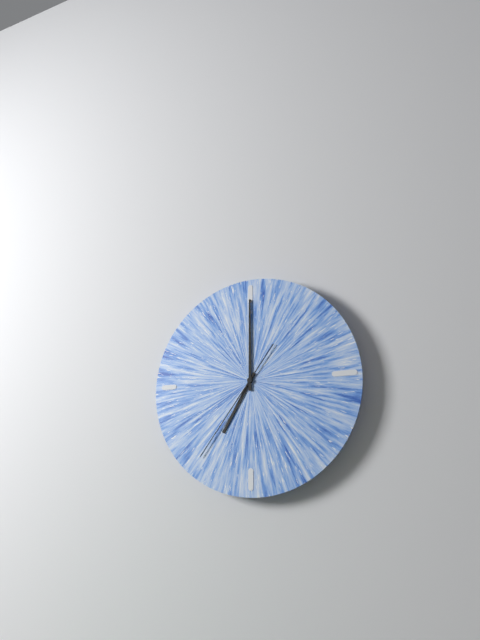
{"hour": 7, "minute": 0, "second": 36}
